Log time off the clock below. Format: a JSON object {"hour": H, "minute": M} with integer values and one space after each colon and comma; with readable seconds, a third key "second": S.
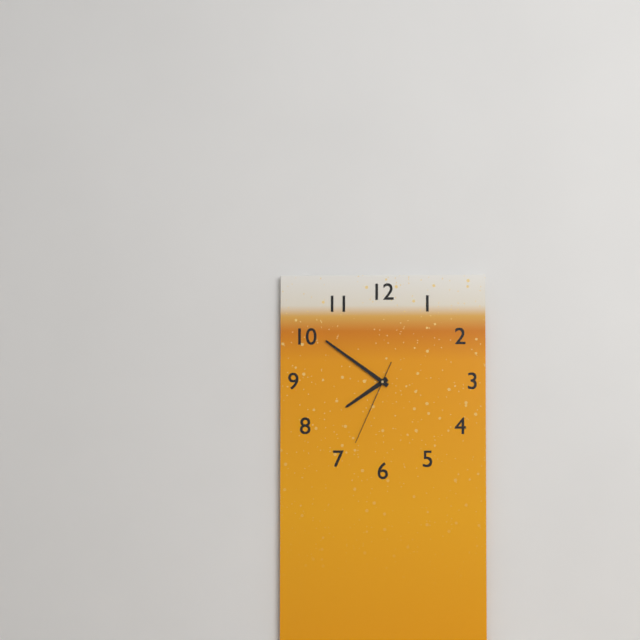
{"hour": 7, "minute": 51, "second": 34}
